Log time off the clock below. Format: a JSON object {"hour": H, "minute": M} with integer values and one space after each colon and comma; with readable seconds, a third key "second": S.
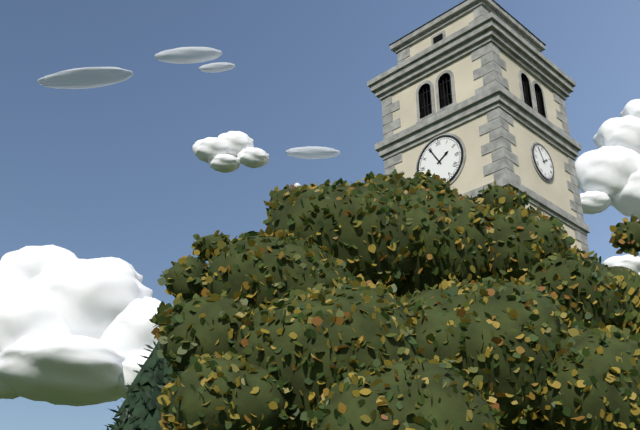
{"hour": 1, "minute": 55}
